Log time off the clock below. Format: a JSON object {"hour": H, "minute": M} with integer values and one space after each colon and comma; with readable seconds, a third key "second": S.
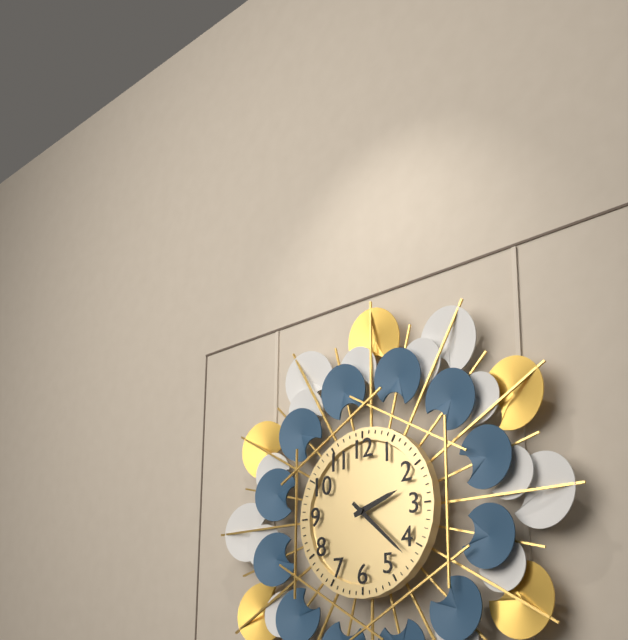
{"hour": 2, "minute": 22}
